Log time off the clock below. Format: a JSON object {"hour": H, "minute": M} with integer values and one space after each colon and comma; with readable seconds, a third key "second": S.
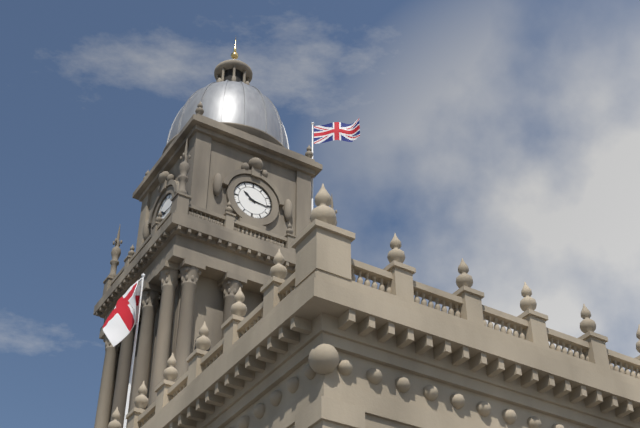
{"hour": 10, "minute": 16}
